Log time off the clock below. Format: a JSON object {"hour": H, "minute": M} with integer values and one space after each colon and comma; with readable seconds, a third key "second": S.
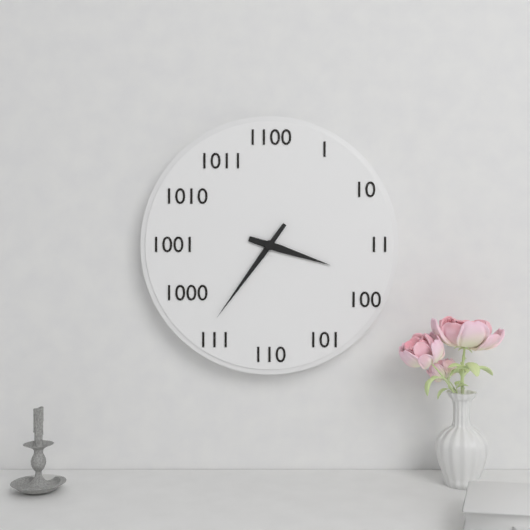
{"hour": 3, "minute": 36}
